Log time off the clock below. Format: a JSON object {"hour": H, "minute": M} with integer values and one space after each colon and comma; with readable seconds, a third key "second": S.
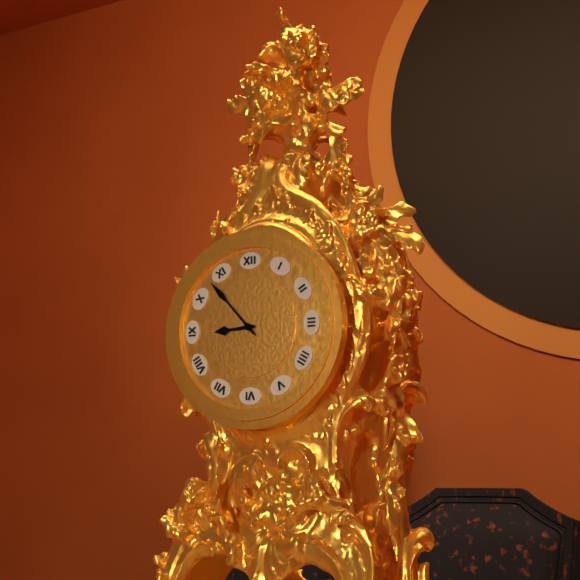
{"hour": 8, "minute": 53}
